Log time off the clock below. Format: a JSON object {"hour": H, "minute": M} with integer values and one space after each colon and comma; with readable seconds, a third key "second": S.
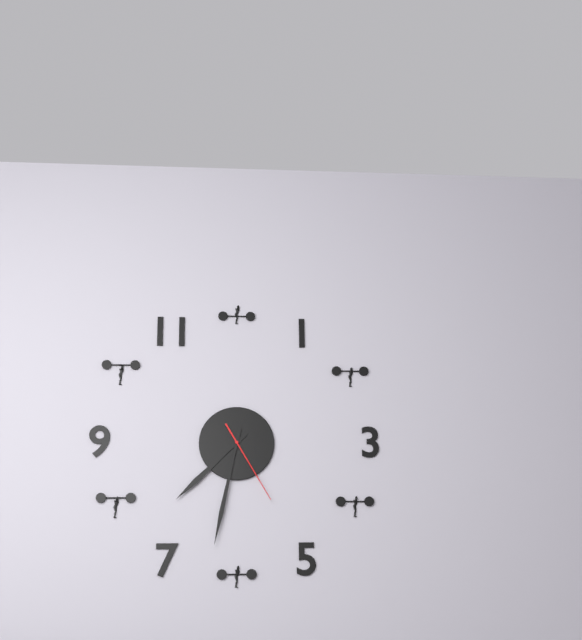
{"hour": 7, "minute": 32, "second": 25}
